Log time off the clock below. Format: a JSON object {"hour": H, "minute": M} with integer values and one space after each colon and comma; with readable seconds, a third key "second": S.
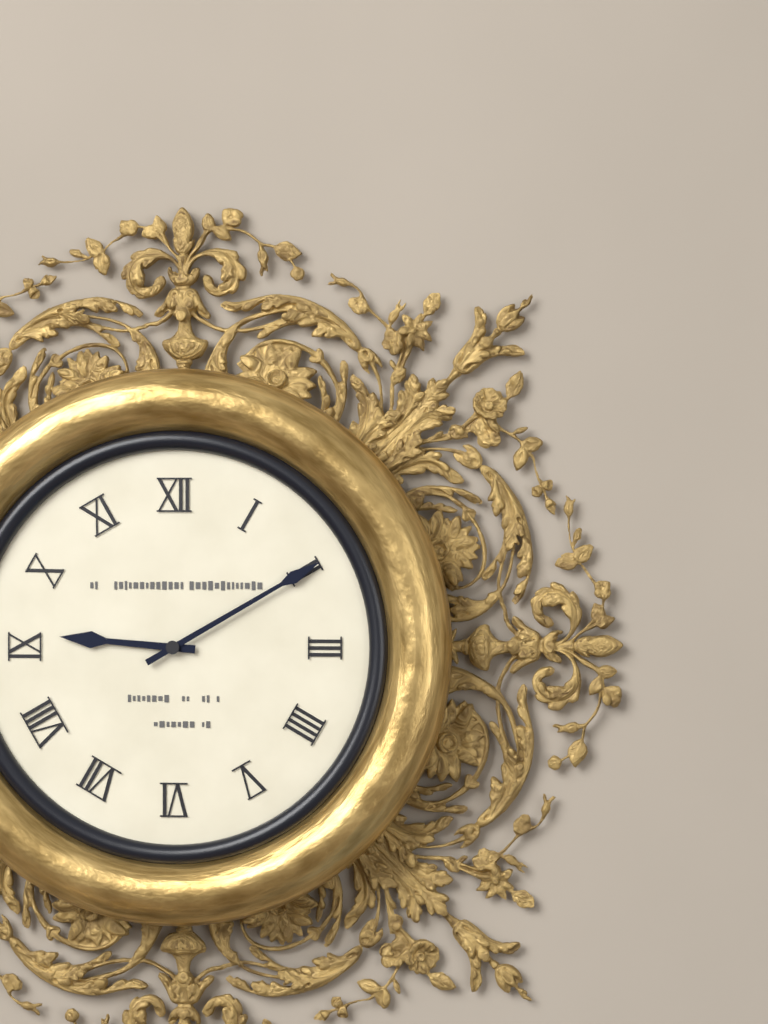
{"hour": 9, "minute": 10}
